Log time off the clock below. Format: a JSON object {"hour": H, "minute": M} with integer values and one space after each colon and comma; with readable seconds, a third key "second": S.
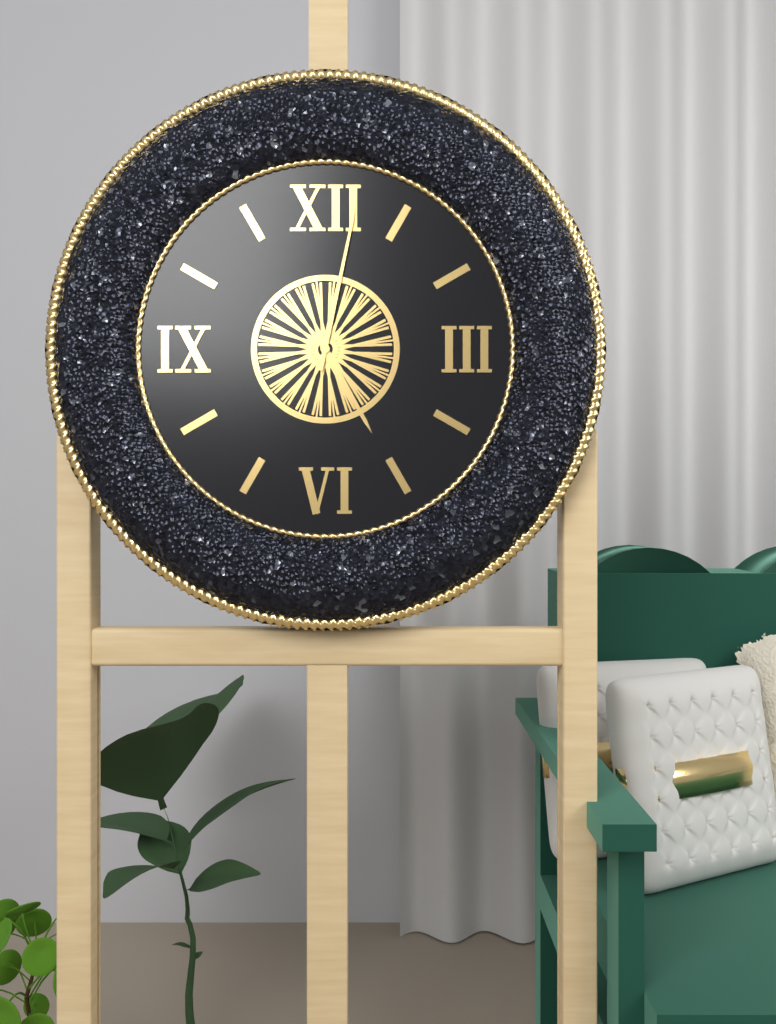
{"hour": 5, "minute": 2}
